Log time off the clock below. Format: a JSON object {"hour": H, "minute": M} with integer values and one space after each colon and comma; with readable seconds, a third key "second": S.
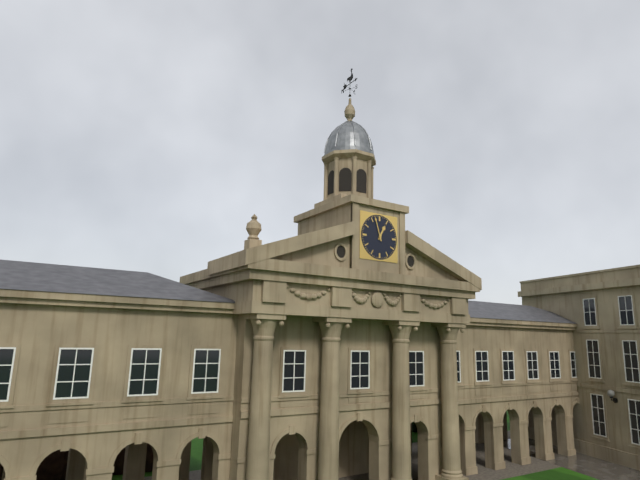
{"hour": 12, "minute": 57}
